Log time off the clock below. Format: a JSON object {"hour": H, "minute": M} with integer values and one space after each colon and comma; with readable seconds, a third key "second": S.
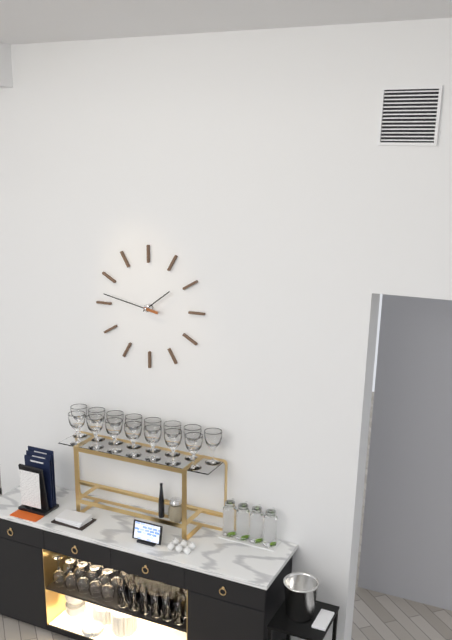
{"hour": 1, "minute": 47}
